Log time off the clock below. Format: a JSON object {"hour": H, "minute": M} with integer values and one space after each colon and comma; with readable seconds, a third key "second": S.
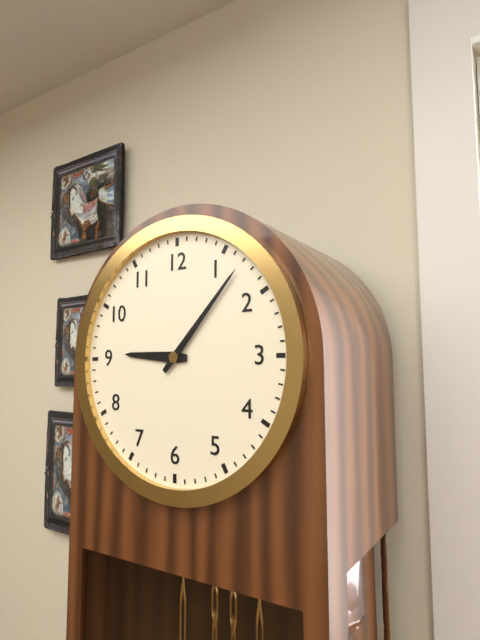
{"hour": 9, "minute": 7}
